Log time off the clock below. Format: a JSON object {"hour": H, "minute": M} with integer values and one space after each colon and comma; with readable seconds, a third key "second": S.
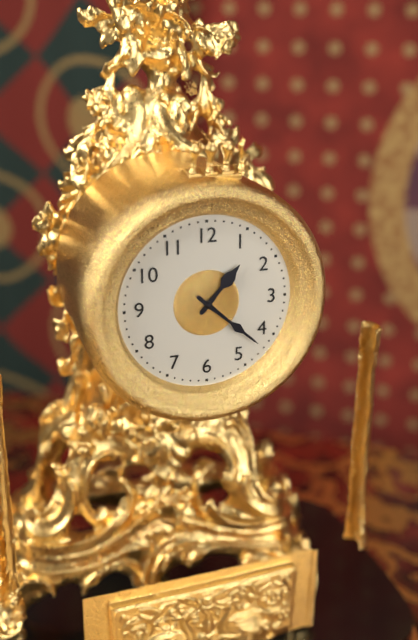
{"hour": 1, "minute": 22}
